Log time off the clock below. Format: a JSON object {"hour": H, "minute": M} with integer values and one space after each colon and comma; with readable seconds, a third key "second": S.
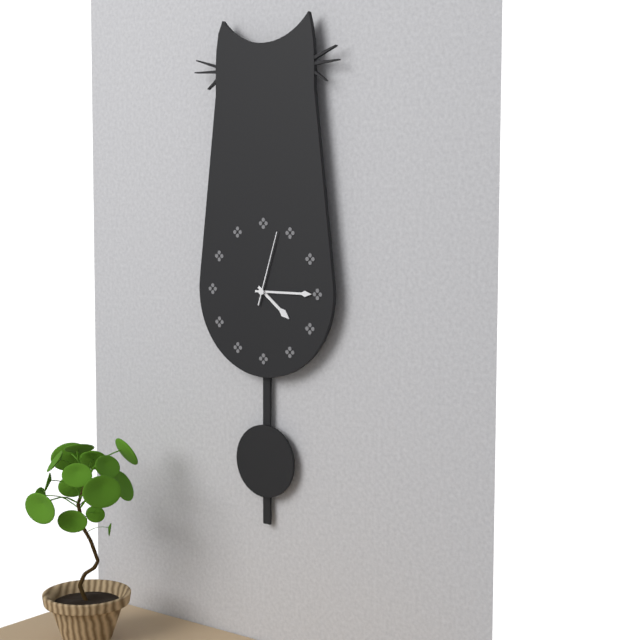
{"hour": 4, "minute": 15, "second": 3}
